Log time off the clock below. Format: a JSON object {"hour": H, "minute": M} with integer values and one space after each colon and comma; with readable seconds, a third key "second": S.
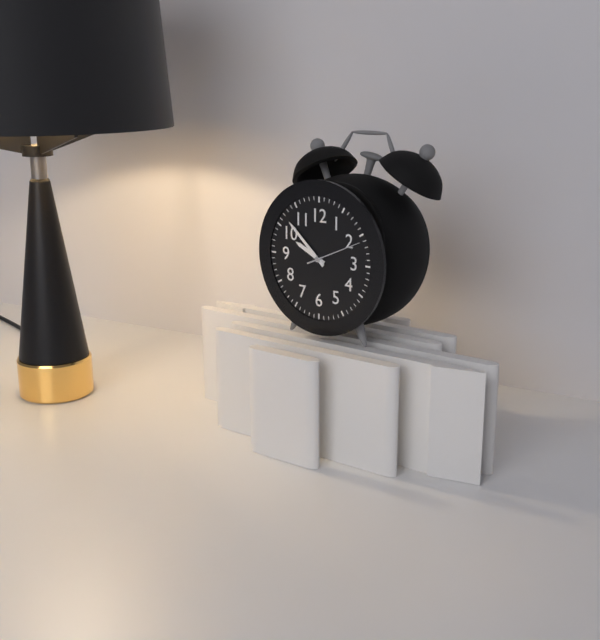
{"hour": 9, "minute": 52, "second": 11}
